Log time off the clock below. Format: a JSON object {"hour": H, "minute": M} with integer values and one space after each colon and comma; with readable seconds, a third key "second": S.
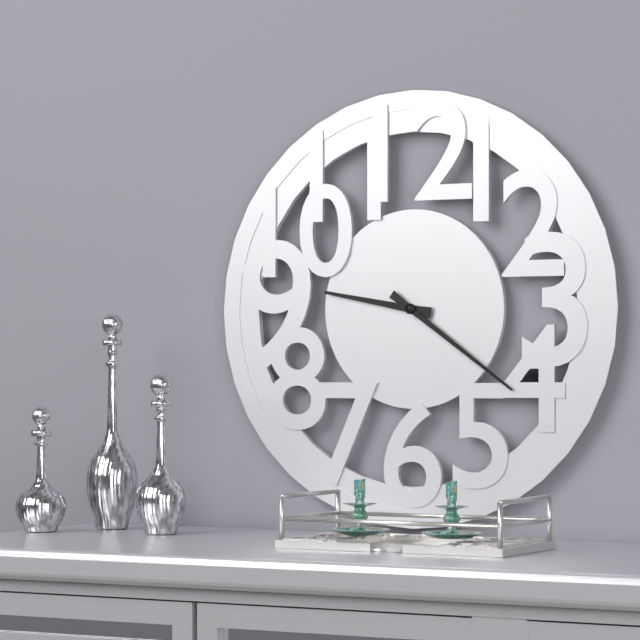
{"hour": 9, "minute": 21}
